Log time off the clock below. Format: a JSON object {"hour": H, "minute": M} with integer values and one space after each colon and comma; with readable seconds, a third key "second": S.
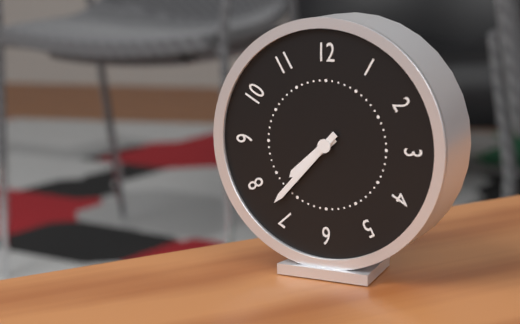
{"hour": 7, "minute": 37}
